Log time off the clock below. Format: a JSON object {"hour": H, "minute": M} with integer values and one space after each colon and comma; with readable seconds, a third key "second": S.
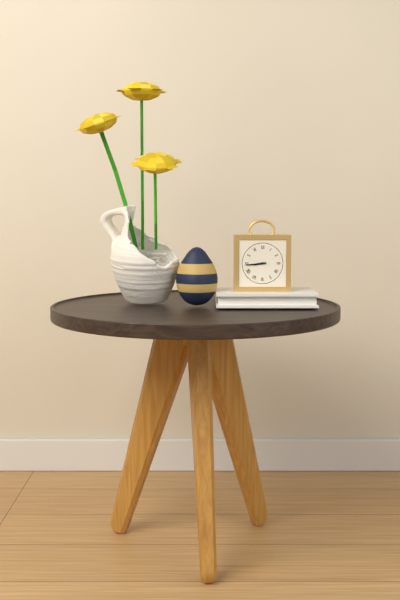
{"hour": 8, "minute": 44}
